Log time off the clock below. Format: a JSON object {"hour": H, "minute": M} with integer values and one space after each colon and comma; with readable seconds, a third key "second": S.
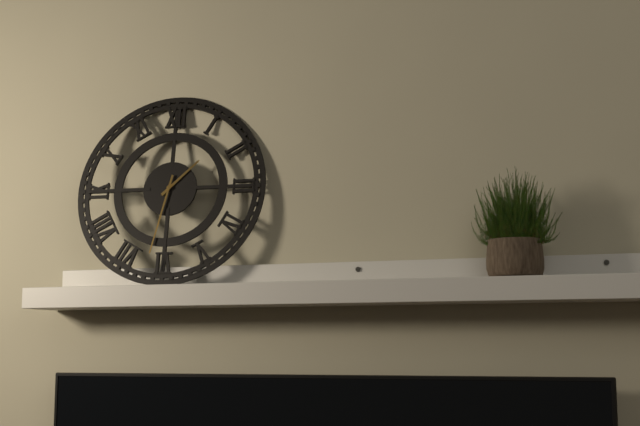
{"hour": 1, "minute": 32}
